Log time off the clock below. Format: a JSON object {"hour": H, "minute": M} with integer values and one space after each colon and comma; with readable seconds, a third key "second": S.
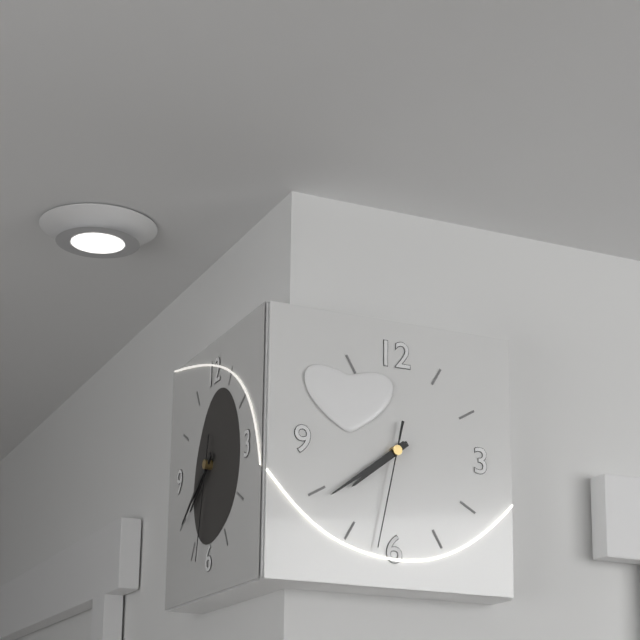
{"hour": 7, "minute": 39, "second": 32}
